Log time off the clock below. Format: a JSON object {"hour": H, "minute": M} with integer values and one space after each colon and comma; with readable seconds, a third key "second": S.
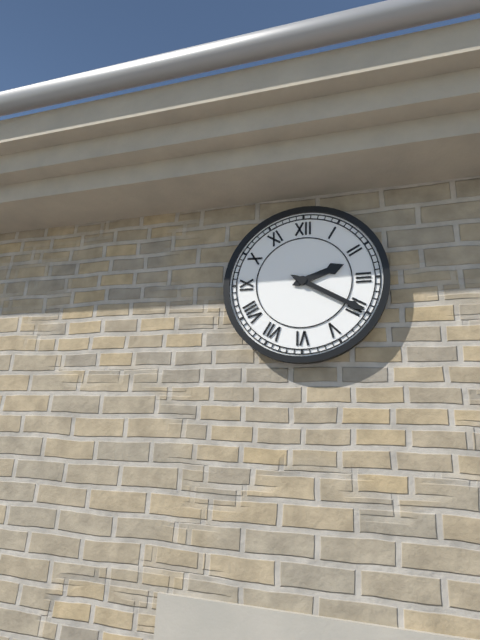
{"hour": 2, "minute": 20}
